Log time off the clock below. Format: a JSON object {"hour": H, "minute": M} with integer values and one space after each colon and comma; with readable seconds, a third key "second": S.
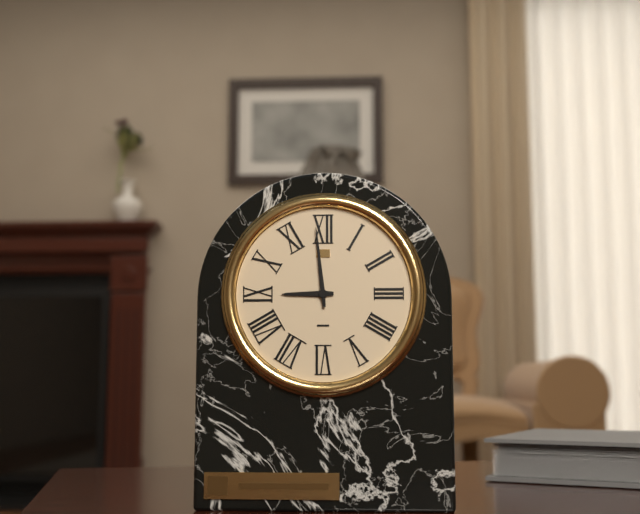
{"hour": 8, "minute": 59}
